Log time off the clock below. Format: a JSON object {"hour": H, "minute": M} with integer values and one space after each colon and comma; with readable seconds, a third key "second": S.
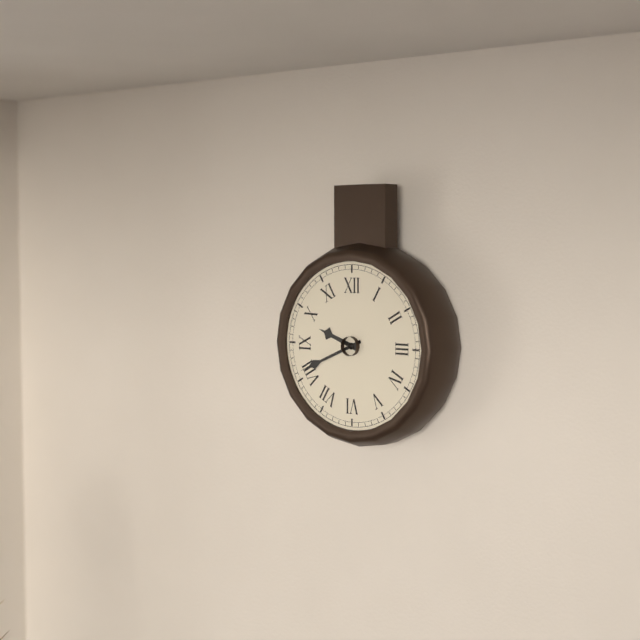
{"hour": 9, "minute": 41}
